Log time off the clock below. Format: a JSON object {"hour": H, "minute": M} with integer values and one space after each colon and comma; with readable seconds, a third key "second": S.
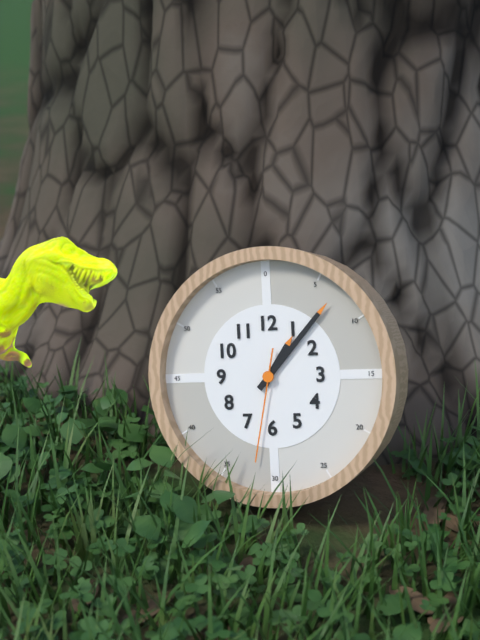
{"hour": 1, "minute": 7, "second": 32}
